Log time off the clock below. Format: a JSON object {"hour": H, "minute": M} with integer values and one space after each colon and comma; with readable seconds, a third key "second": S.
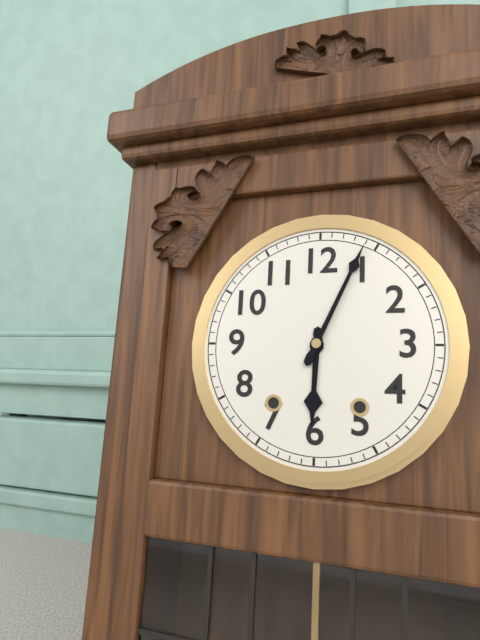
{"hour": 6, "minute": 4}
